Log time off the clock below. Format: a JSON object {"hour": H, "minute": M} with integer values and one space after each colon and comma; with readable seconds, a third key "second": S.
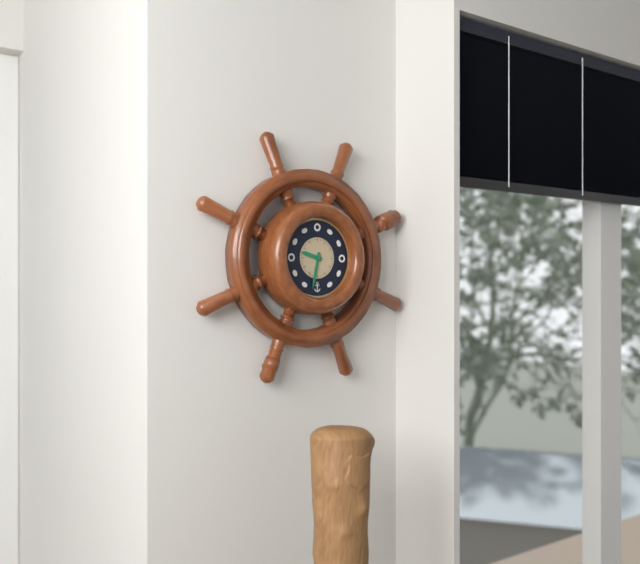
{"hour": 9, "minute": 32}
